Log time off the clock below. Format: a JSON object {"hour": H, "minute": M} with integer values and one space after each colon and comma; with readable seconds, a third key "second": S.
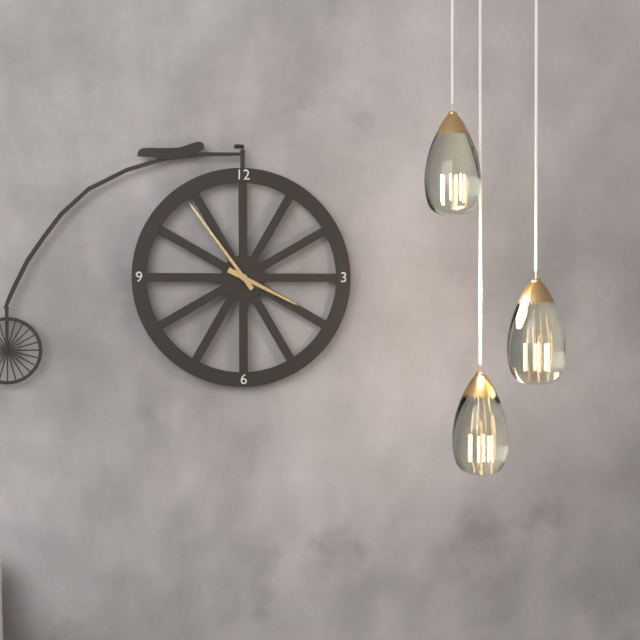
{"hour": 3, "minute": 54}
